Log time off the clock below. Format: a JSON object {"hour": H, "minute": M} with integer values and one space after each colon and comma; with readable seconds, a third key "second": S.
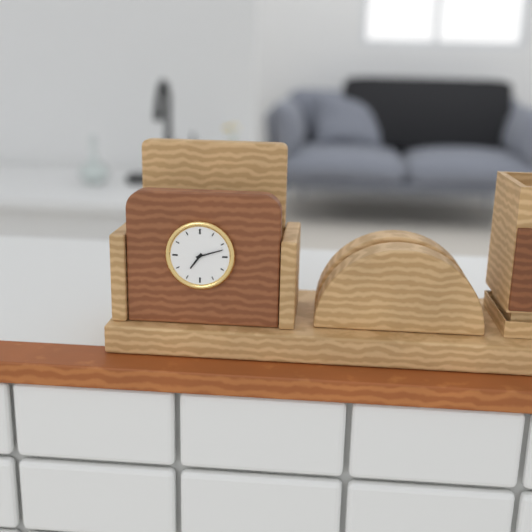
{"hour": 7, "minute": 12}
